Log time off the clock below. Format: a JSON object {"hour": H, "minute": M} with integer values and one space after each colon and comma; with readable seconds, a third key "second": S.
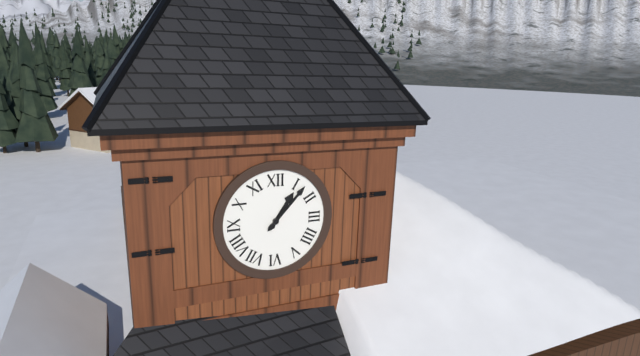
{"hour": 1, "minute": 7}
